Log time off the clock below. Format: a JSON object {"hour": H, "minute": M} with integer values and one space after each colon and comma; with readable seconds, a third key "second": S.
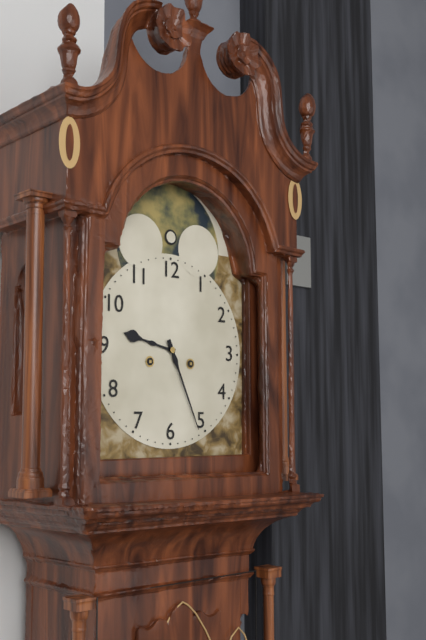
{"hour": 9, "minute": 26}
